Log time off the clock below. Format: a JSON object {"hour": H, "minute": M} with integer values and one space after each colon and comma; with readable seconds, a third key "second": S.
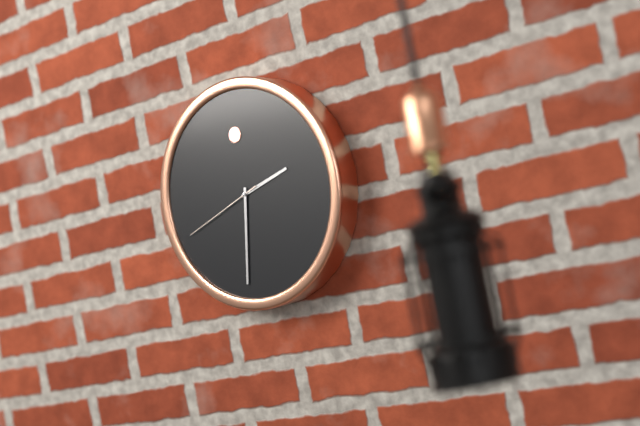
{"hour": 2, "minute": 32, "second": 42}
